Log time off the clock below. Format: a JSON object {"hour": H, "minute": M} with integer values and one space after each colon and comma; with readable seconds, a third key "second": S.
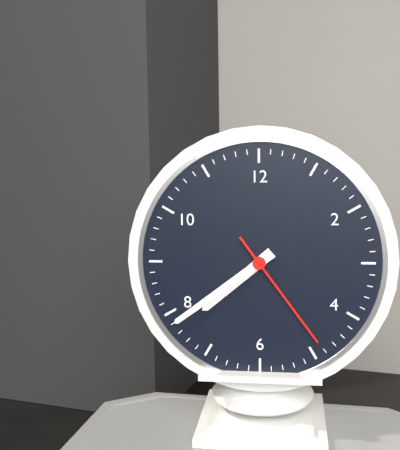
{"hour": 7, "minute": 39, "second": 24}
